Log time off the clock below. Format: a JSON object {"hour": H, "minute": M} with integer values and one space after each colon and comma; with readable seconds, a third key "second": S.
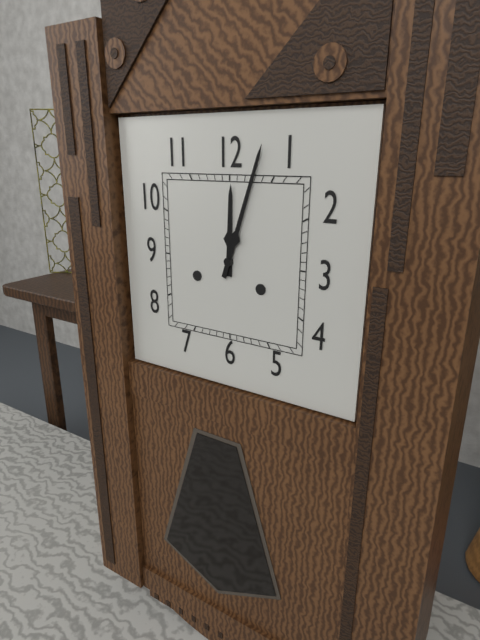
{"hour": 12, "minute": 3}
